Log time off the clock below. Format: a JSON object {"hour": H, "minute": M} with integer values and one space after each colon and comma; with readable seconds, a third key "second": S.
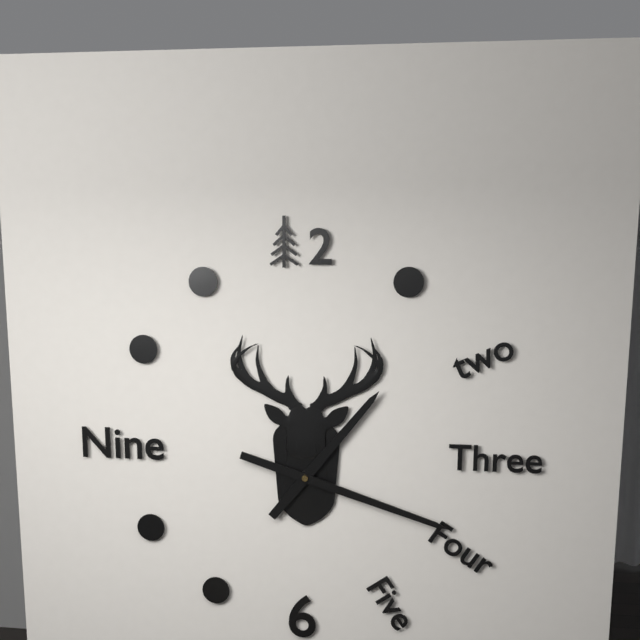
{"hour": 1, "minute": 18}
